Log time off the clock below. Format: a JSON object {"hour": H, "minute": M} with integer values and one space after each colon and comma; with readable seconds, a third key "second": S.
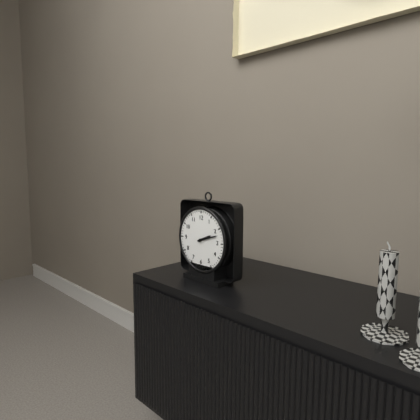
{"hour": 2, "minute": 12}
